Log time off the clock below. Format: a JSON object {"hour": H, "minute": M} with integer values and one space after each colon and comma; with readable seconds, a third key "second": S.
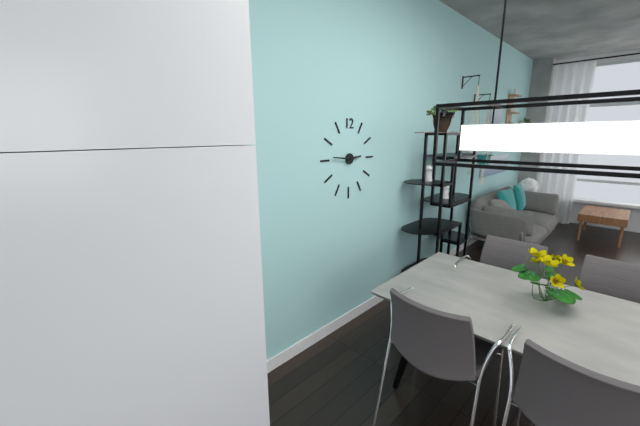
{"hour": 2, "minute": 46}
